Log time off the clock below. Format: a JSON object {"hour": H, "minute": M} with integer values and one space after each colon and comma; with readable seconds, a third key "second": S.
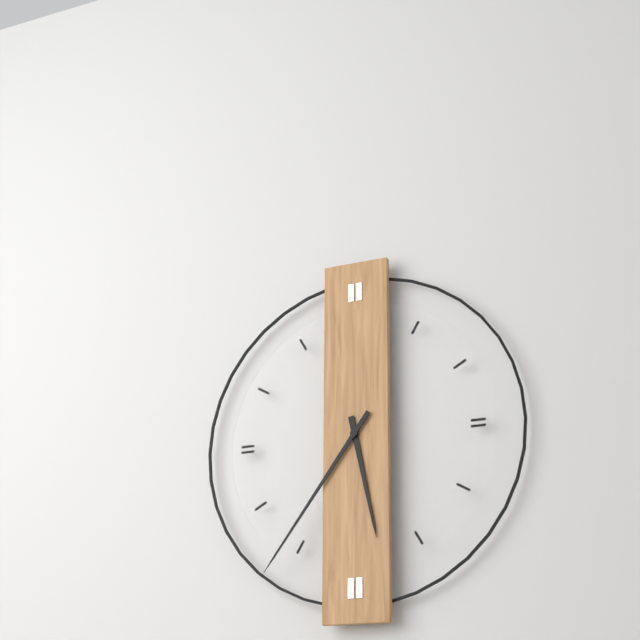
{"hour": 5, "minute": 36}
